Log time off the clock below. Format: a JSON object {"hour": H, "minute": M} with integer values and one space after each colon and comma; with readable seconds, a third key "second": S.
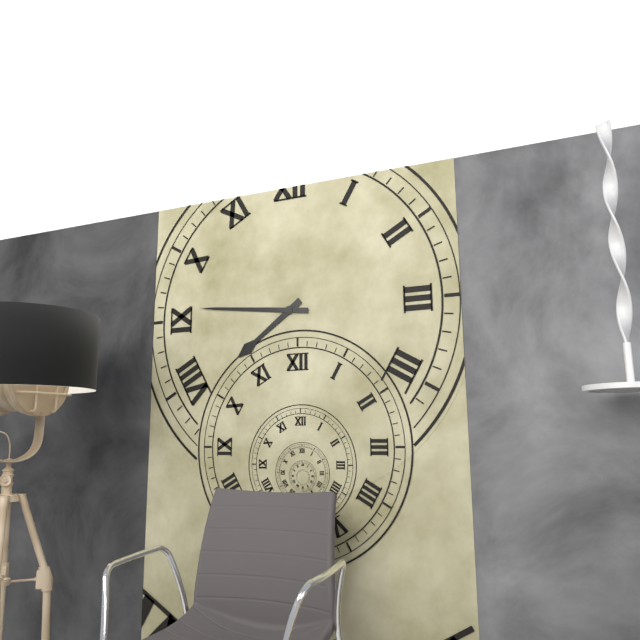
{"hour": 7, "minute": 46}
